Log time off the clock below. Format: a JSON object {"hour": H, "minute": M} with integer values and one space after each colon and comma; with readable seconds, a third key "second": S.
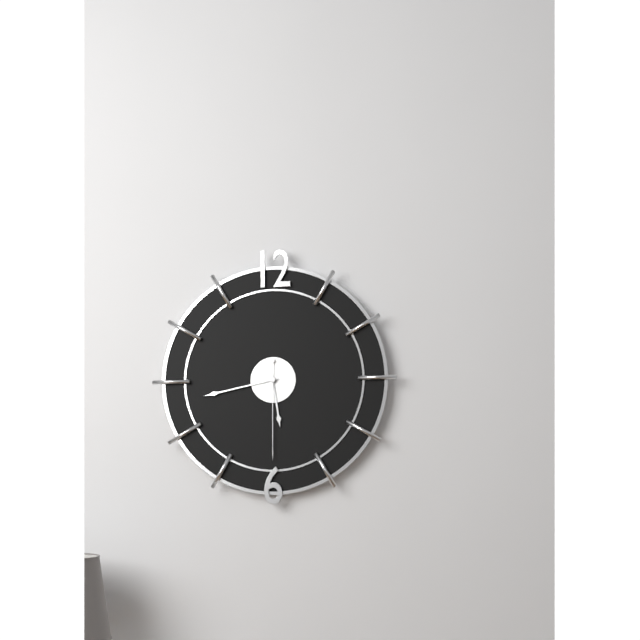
{"hour": 5, "minute": 43, "second": 30}
